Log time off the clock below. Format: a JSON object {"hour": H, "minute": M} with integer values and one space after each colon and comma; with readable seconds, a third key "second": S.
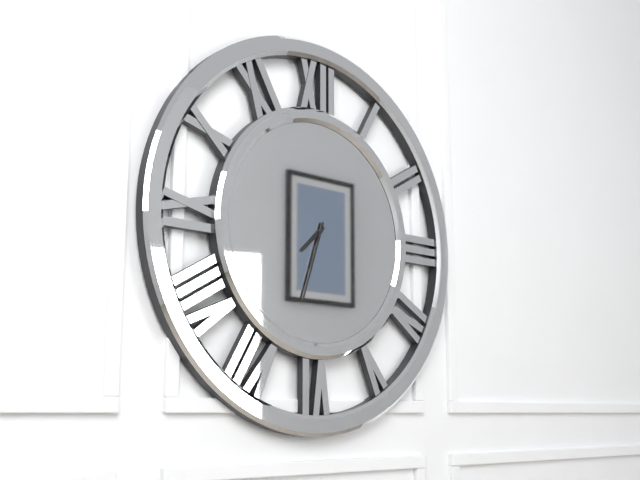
{"hour": 7, "minute": 33}
